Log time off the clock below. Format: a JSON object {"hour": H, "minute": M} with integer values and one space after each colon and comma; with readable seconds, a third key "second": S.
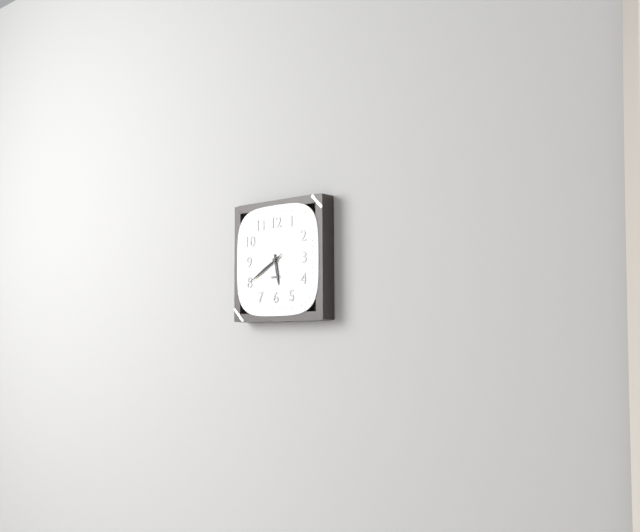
{"hour": 5, "minute": 40}
